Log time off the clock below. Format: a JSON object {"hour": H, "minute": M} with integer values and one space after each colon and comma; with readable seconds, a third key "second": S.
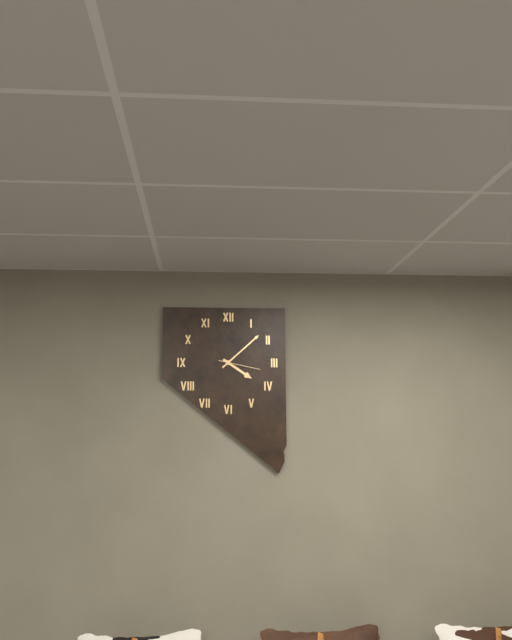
{"hour": 4, "minute": 8}
